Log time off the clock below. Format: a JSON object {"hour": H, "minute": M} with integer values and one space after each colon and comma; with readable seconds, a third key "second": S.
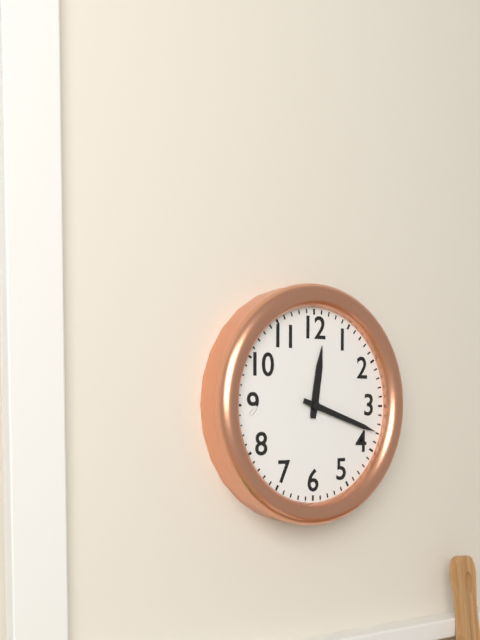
{"hour": 12, "minute": 18}
